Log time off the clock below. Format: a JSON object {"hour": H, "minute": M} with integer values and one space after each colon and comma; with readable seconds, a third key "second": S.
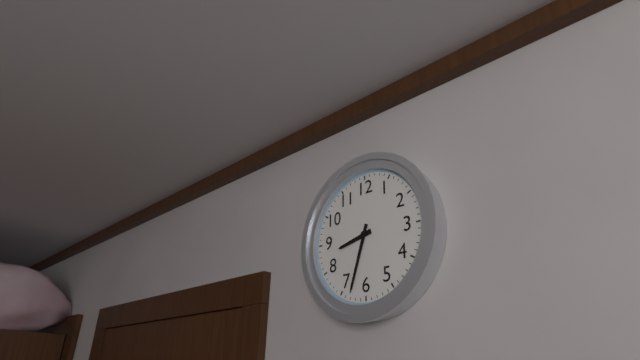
{"hour": 8, "minute": 33}
